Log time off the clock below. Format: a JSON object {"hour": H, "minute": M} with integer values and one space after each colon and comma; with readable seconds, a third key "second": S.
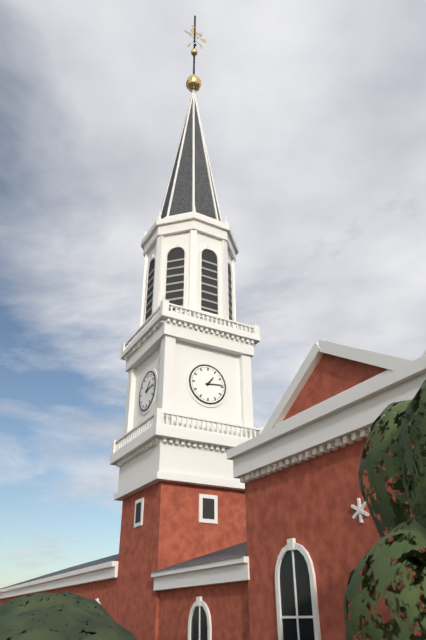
{"hour": 1, "minute": 14}
